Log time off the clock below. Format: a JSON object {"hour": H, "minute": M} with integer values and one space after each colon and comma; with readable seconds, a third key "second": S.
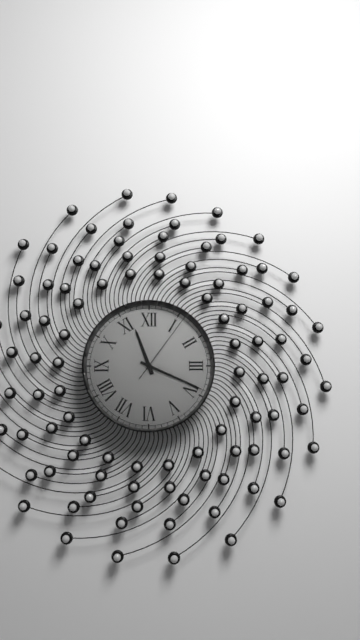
{"hour": 11, "minute": 19, "second": 6}
